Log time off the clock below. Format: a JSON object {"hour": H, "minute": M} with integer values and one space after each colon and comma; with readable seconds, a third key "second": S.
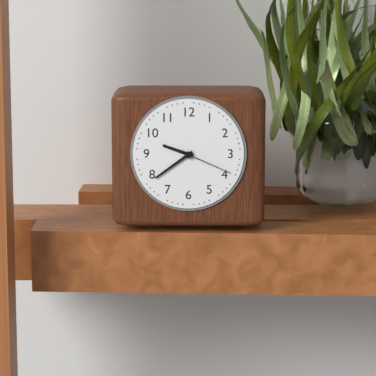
{"hour": 9, "minute": 39, "second": 19}
